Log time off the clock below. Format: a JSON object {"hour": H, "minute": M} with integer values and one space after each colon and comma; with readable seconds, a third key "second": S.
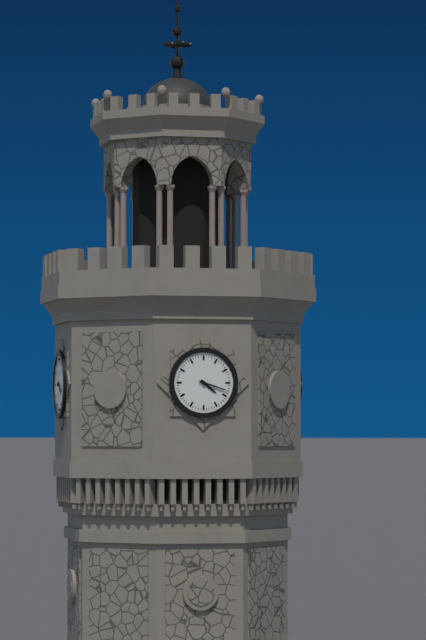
{"hour": 4, "minute": 18}
